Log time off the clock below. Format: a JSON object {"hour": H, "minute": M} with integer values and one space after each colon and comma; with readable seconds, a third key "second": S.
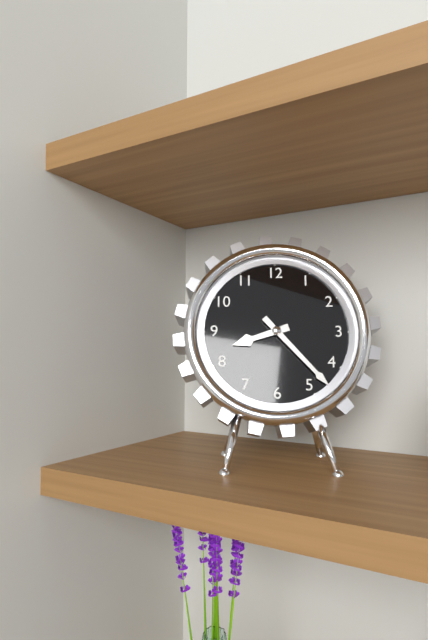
{"hour": 8, "minute": 23}
